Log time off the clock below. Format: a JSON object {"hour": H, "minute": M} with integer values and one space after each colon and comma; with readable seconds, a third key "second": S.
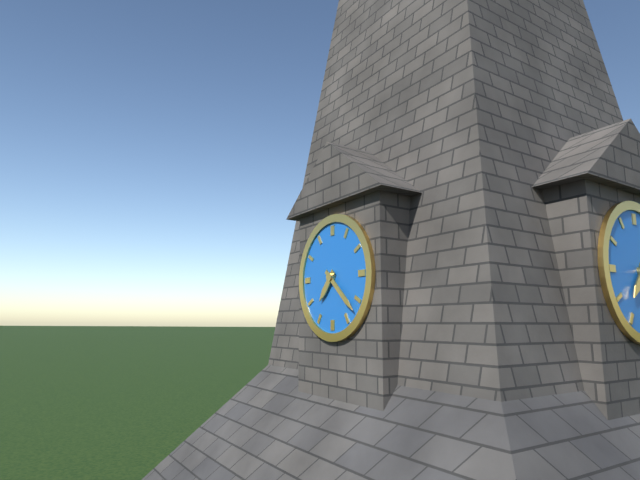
{"hour": 7, "minute": 22}
